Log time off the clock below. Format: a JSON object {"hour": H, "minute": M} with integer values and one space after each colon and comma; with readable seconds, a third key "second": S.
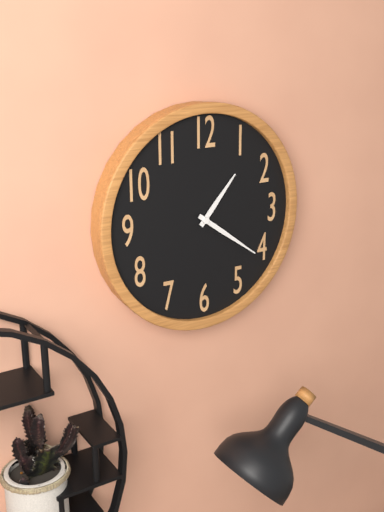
{"hour": 1, "minute": 21}
